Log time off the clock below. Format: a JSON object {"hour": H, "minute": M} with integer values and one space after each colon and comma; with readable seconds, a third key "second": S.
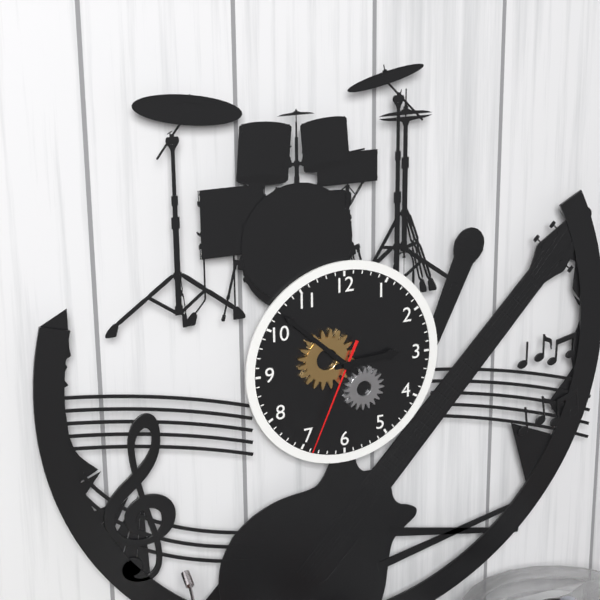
{"hour": 2, "minute": 52, "second": 34}
